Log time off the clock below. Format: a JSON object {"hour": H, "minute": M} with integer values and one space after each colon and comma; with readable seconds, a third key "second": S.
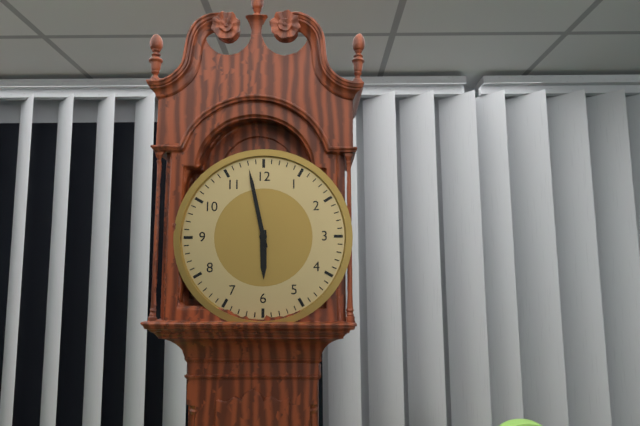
{"hour": 5, "minute": 58}
